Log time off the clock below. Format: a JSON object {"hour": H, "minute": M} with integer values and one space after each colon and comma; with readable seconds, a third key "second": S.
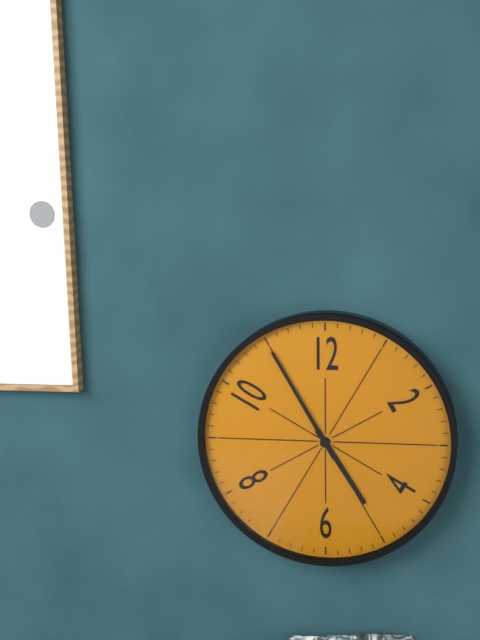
{"hour": 4, "minute": 55}
